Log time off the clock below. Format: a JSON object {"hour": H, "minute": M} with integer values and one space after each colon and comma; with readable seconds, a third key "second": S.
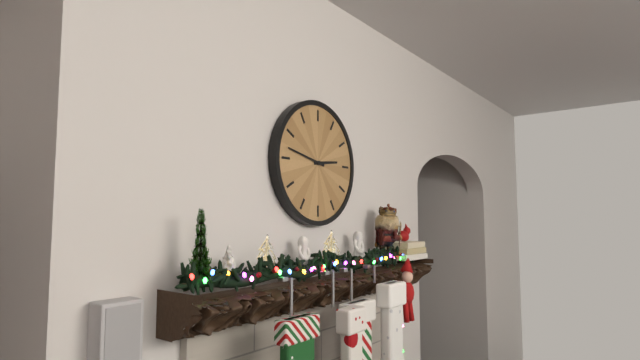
{"hour": 2, "minute": 47}
